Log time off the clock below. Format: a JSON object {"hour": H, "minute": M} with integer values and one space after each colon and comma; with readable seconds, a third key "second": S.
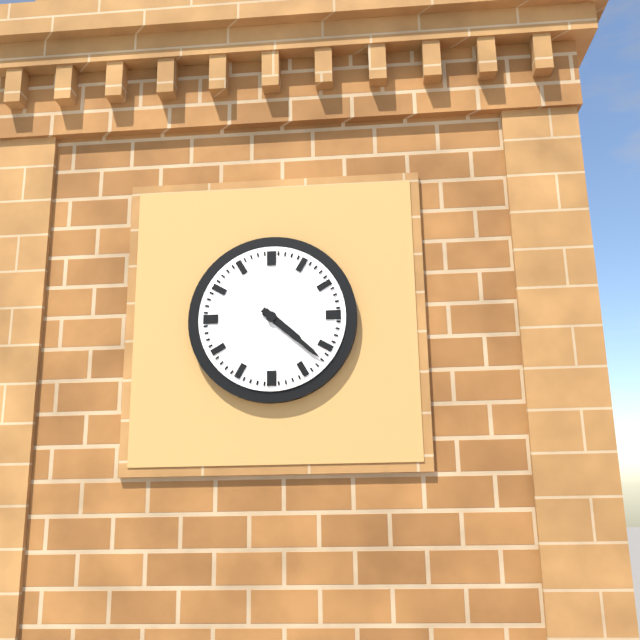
{"hour": 4, "minute": 22}
